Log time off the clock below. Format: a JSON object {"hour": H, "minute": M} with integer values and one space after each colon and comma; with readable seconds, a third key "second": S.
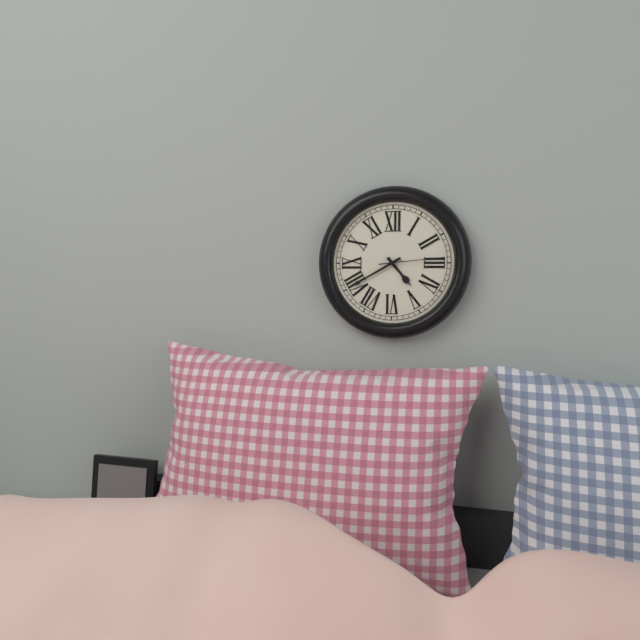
{"hour": 4, "minute": 40, "second": 14}
